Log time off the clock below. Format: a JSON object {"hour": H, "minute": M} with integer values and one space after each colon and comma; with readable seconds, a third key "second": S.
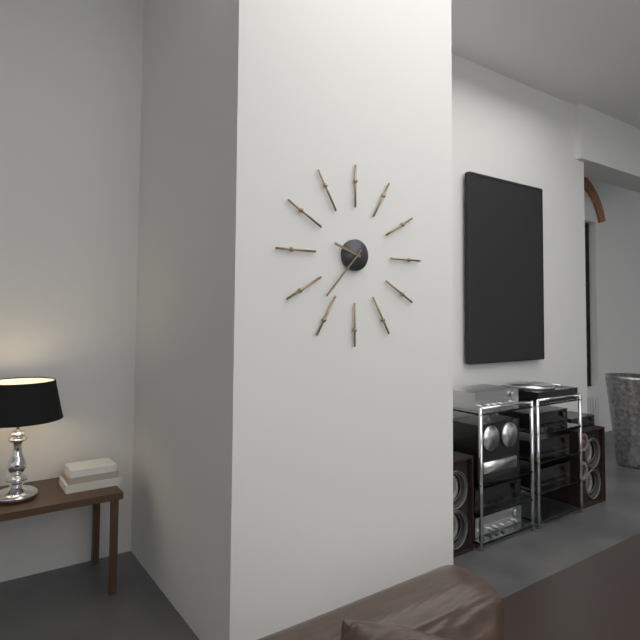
{"hour": 9, "minute": 37}
